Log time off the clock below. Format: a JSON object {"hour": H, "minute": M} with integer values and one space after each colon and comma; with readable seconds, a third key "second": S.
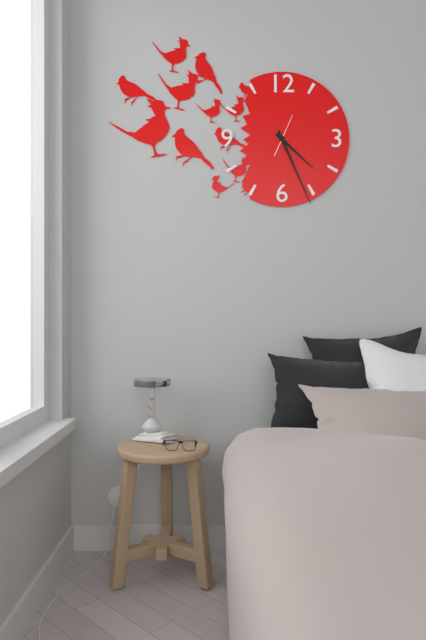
{"hour": 4, "minute": 26}
